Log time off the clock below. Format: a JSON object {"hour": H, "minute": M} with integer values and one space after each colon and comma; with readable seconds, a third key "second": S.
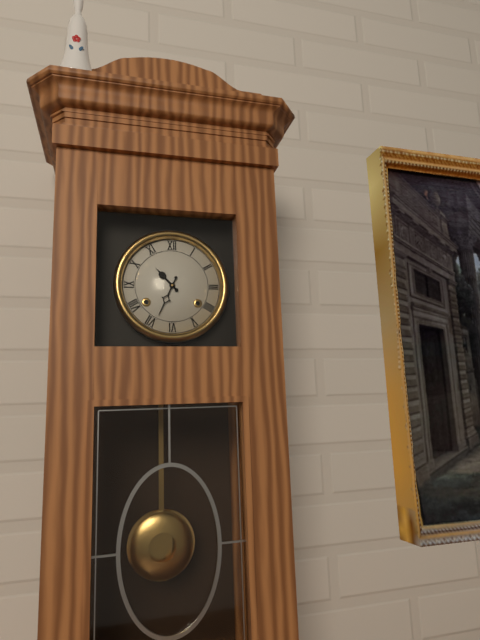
{"hour": 10, "minute": 34}
